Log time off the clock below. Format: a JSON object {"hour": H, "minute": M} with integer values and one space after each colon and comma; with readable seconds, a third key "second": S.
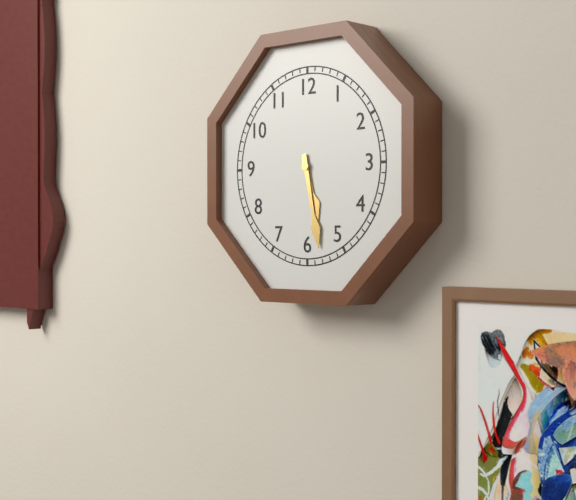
{"hour": 5, "minute": 28}
